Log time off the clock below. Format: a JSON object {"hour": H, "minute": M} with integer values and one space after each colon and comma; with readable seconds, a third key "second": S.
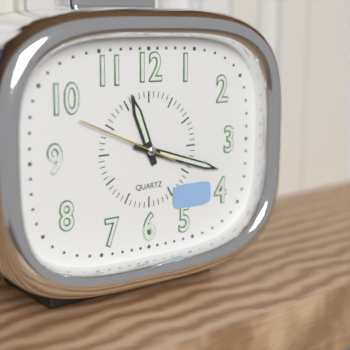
{"hour": 11, "minute": 18, "second": 49}
